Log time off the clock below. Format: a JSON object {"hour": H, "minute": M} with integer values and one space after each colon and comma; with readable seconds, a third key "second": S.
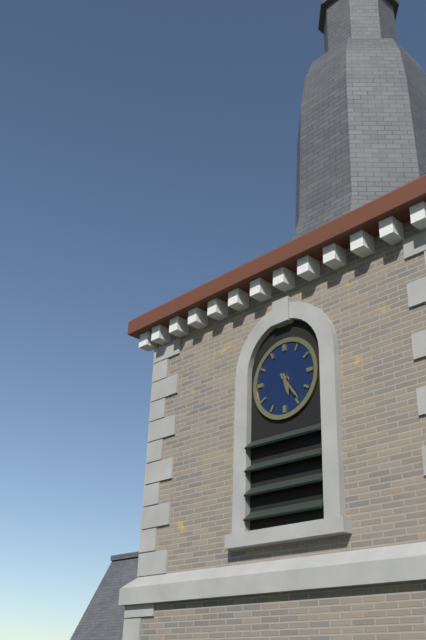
{"hour": 5, "minute": 24}
